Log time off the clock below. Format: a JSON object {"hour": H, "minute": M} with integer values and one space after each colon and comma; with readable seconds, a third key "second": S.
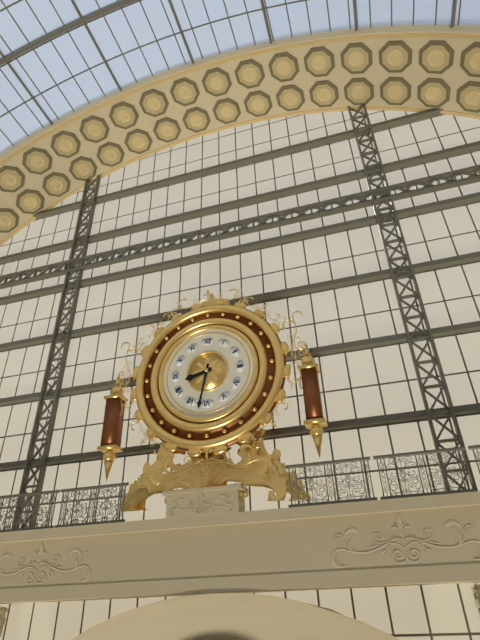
{"hour": 8, "minute": 32}
